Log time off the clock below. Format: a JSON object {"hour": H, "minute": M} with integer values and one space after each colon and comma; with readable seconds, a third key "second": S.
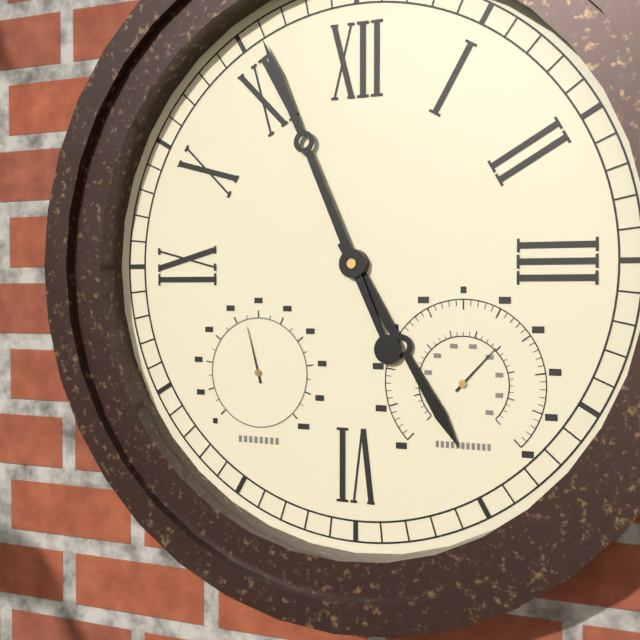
{"hour": 4, "minute": 56}
